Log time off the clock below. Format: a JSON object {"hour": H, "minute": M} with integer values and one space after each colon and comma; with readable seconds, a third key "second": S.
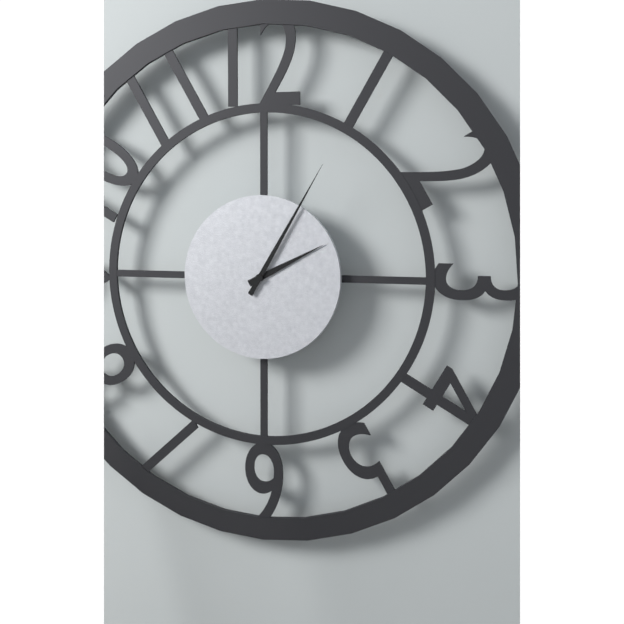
{"hour": 2, "minute": 5}
